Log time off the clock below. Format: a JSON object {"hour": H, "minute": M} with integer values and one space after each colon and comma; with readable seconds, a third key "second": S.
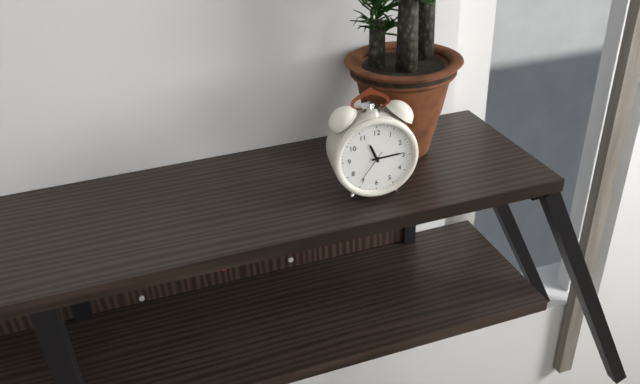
{"hour": 11, "minute": 14}
